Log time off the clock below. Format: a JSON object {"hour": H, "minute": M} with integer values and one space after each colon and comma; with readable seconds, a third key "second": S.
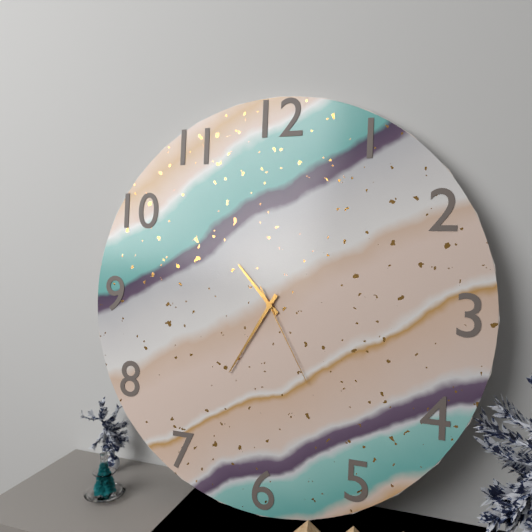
{"hour": 10, "minute": 35, "second": 25}
